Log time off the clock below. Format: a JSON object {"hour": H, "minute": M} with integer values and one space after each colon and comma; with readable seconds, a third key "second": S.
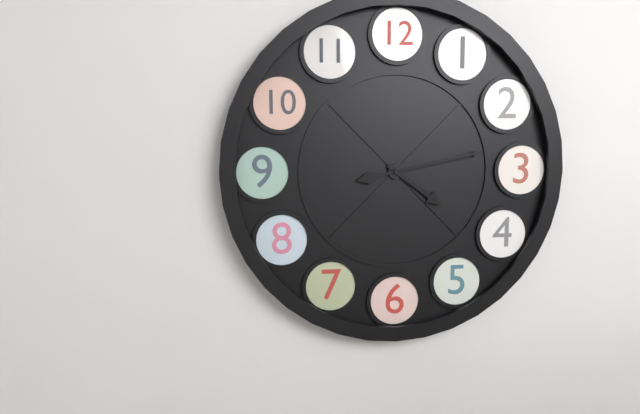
{"hour": 4, "minute": 13}
